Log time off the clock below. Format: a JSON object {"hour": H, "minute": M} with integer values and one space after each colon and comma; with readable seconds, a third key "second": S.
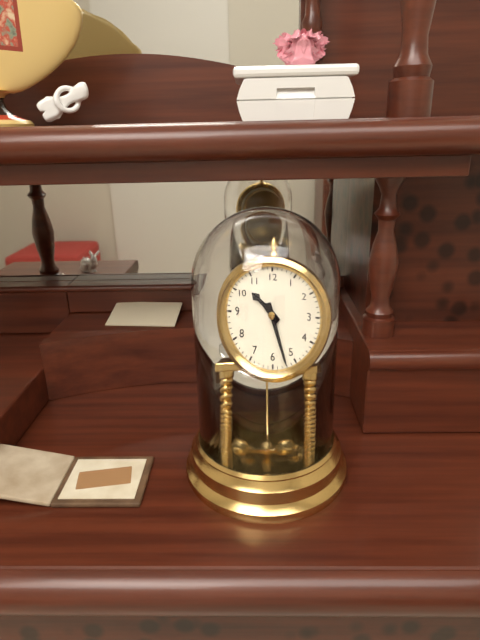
{"hour": 10, "minute": 27}
